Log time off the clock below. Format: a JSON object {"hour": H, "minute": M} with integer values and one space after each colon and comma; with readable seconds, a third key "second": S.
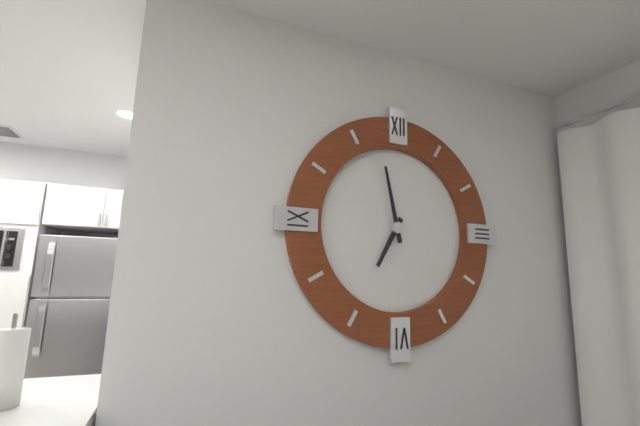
{"hour": 6, "minute": 58}
